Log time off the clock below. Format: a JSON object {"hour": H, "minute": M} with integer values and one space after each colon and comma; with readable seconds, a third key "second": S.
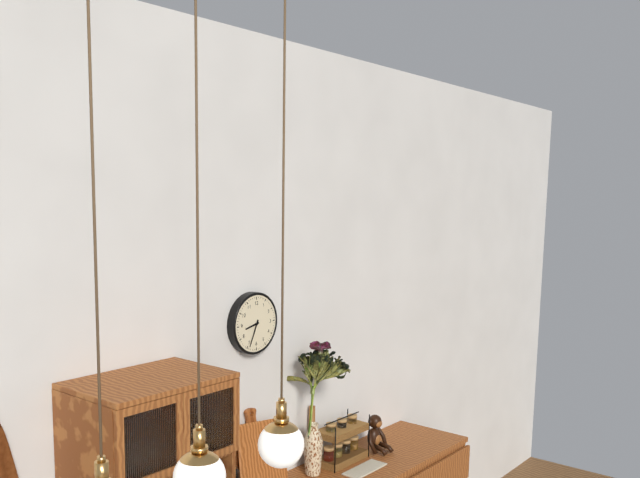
{"hour": 8, "minute": 34}
